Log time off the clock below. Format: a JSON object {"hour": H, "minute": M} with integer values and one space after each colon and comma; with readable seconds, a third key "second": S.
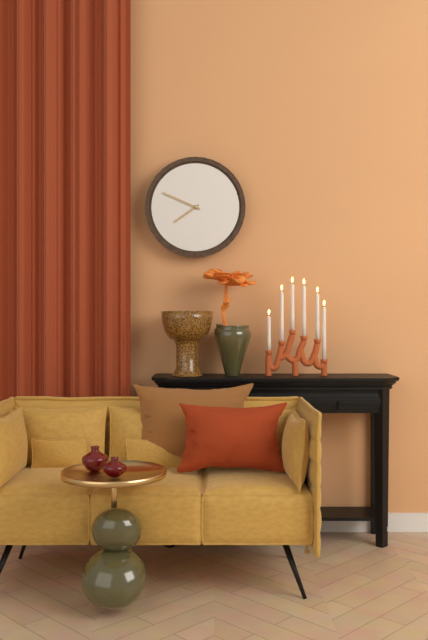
{"hour": 7, "minute": 49}
